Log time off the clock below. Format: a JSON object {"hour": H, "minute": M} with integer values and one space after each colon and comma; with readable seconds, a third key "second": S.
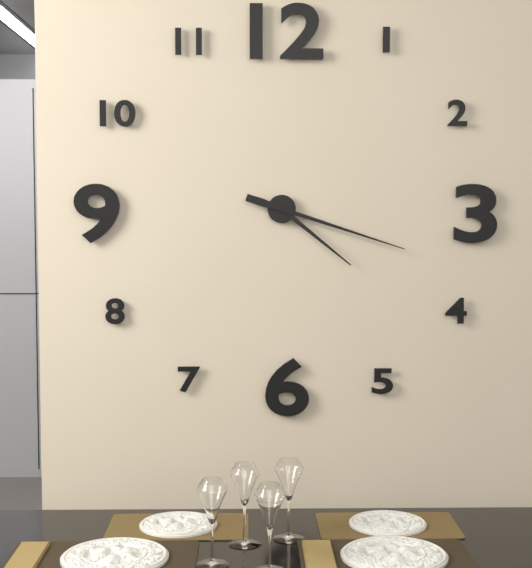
{"hour": 4, "minute": 18}
